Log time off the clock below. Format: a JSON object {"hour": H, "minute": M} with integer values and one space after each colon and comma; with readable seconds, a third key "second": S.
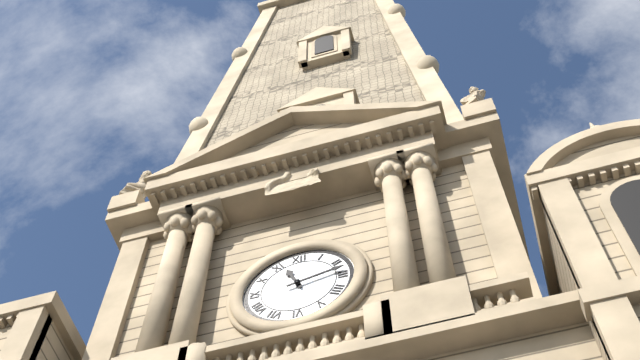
{"hour": 11, "minute": 13}
